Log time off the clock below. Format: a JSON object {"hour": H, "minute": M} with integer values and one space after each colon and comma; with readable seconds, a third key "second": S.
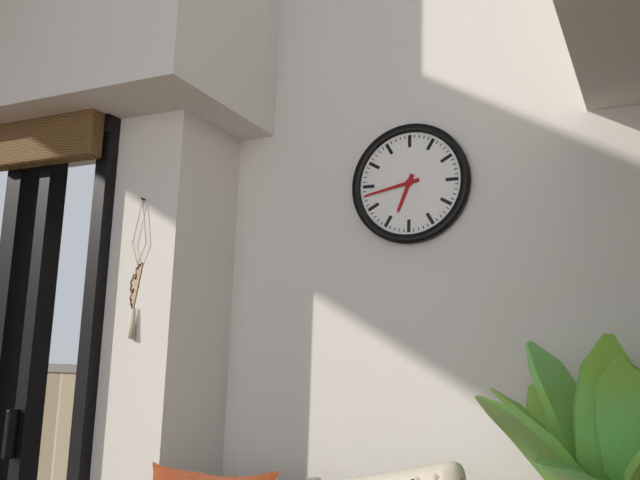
{"hour": 6, "minute": 43}
